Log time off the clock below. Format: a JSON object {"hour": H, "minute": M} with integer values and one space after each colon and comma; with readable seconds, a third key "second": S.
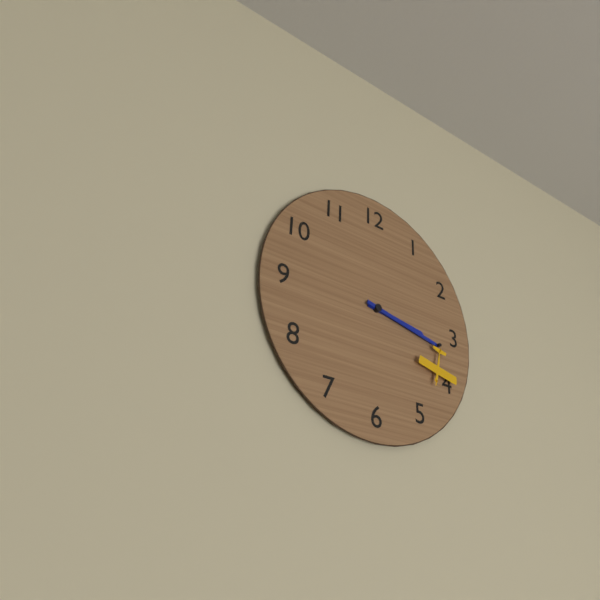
{"hour": 3, "minute": 17}
